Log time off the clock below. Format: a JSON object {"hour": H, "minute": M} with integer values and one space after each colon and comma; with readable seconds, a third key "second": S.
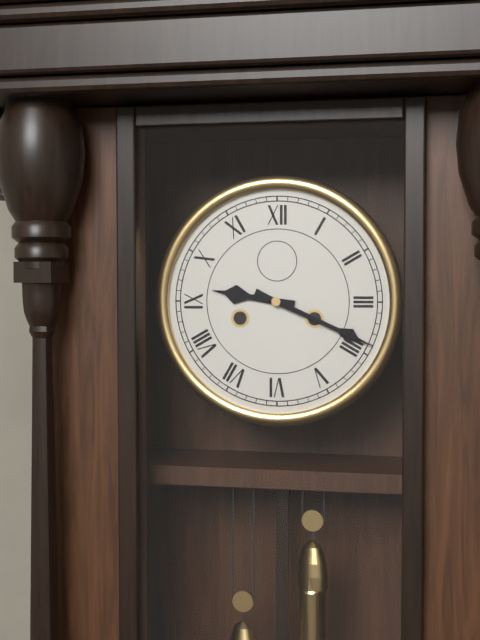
{"hour": 9, "minute": 19}
